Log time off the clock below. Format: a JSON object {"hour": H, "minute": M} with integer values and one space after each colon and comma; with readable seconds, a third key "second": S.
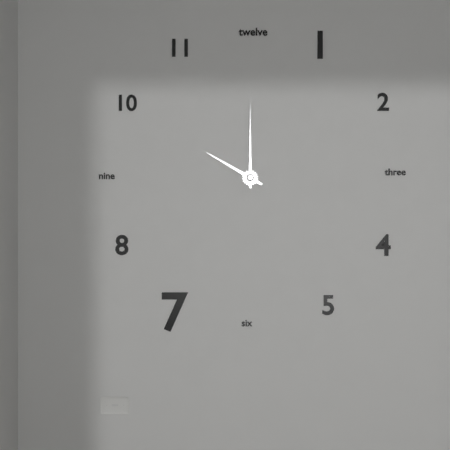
{"hour": 10, "minute": 0}
